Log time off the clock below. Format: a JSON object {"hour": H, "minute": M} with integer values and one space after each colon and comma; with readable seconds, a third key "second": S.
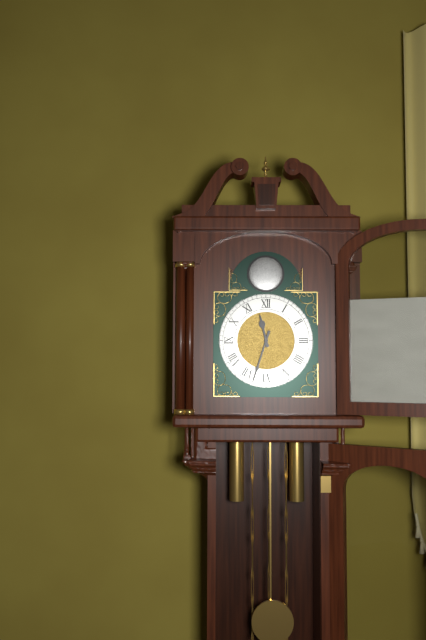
{"hour": 11, "minute": 33}
